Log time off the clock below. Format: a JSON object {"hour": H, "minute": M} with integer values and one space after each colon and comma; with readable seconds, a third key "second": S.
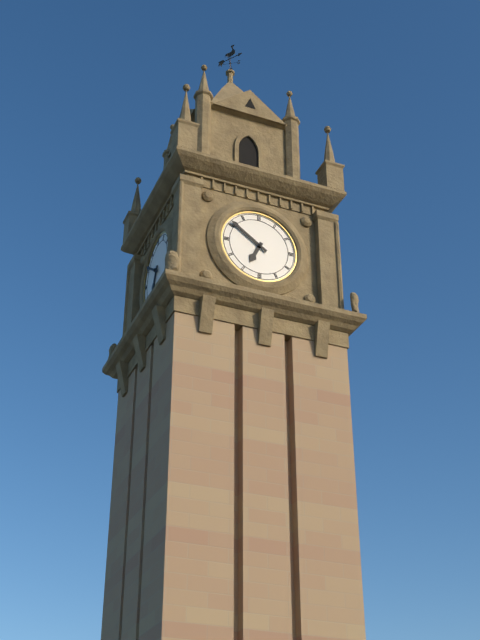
{"hour": 6, "minute": 51}
